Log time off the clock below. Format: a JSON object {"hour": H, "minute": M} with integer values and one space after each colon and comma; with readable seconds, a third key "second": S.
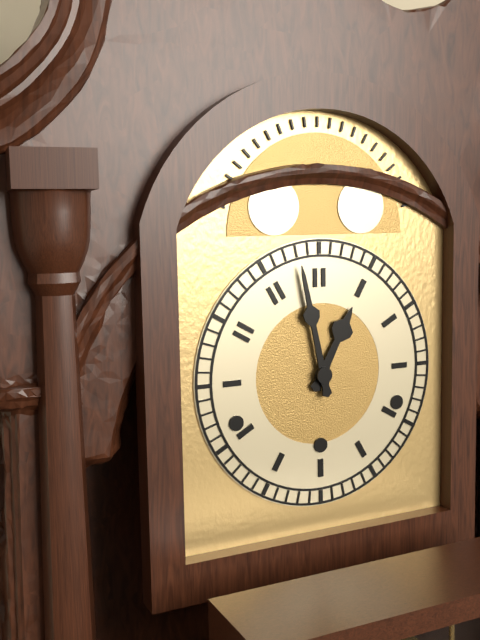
{"hour": 12, "minute": 58}
